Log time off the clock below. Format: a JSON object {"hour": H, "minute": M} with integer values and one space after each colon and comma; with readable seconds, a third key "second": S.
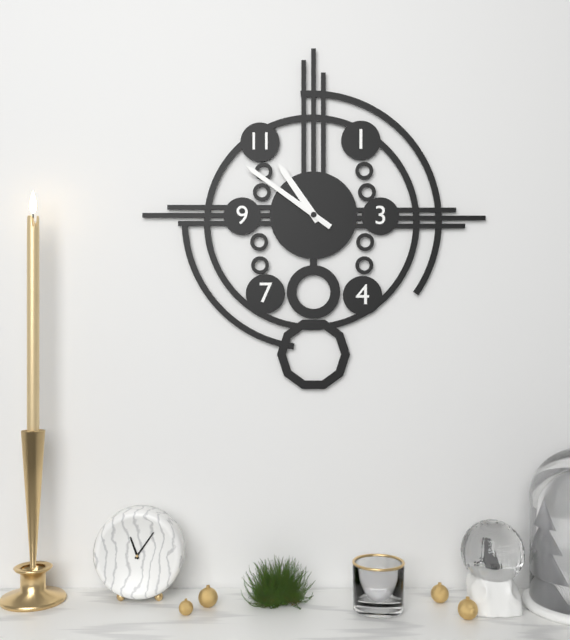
{"hour": 10, "minute": 51}
